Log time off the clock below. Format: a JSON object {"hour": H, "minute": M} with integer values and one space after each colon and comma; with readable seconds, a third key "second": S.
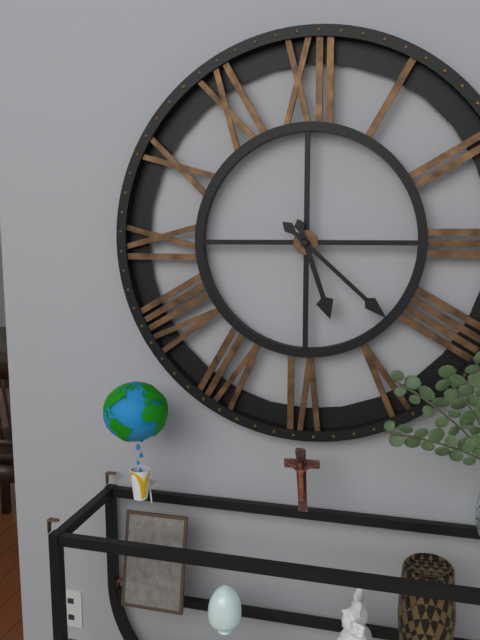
{"hour": 5, "minute": 22}
